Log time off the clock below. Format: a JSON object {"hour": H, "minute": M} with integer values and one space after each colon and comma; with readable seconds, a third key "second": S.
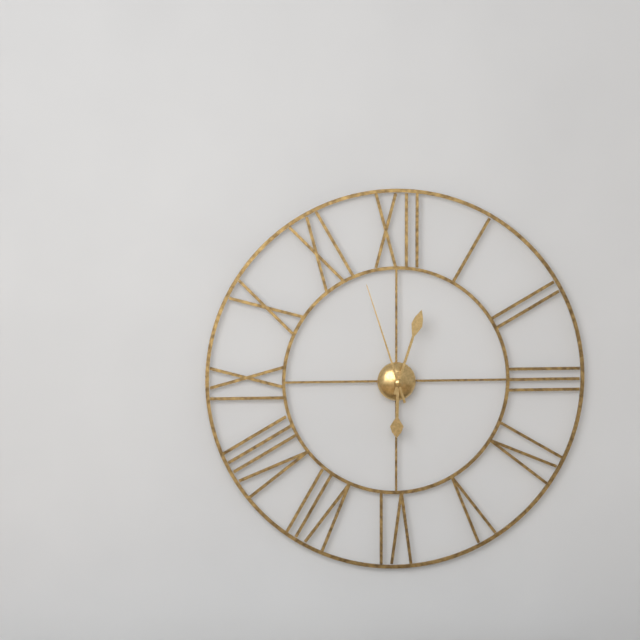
{"hour": 6, "minute": 3, "second": 57}
